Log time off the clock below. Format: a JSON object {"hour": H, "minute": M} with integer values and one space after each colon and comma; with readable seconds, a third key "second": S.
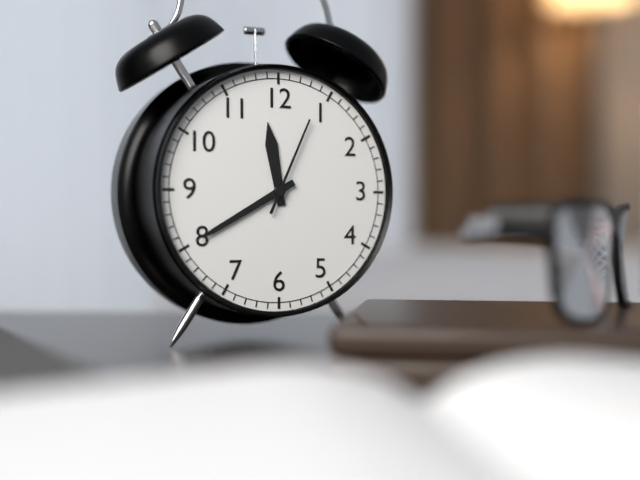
{"hour": 11, "minute": 40, "second": 4}
